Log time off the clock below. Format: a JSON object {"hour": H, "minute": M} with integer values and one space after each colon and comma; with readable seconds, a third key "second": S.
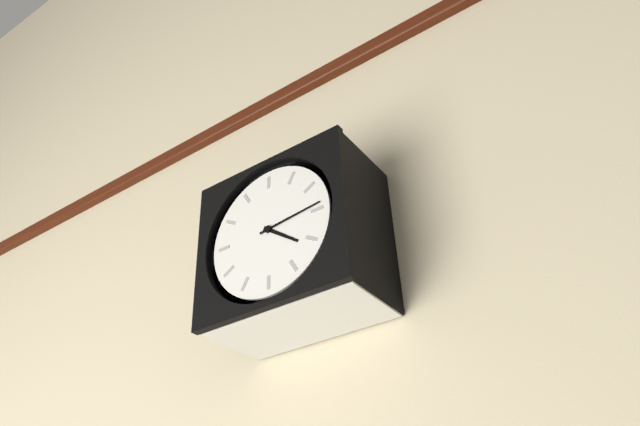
{"hour": 4, "minute": 14}
